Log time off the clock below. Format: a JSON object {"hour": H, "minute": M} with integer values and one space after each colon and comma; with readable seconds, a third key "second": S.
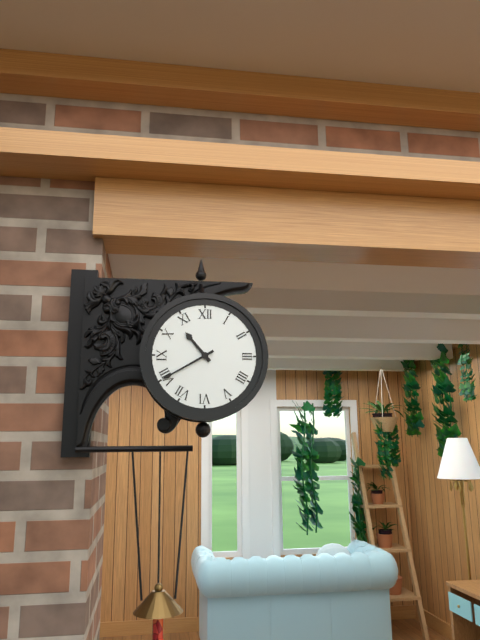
{"hour": 10, "minute": 40}
